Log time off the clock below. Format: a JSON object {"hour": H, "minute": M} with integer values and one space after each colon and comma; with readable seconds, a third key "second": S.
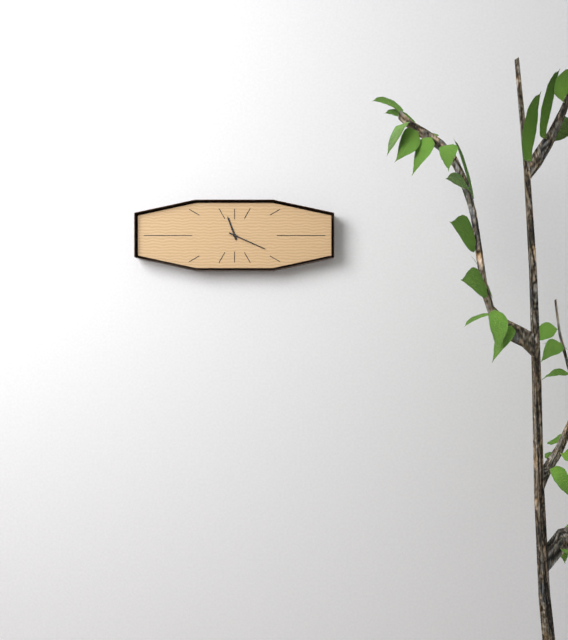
{"hour": 11, "minute": 19}
